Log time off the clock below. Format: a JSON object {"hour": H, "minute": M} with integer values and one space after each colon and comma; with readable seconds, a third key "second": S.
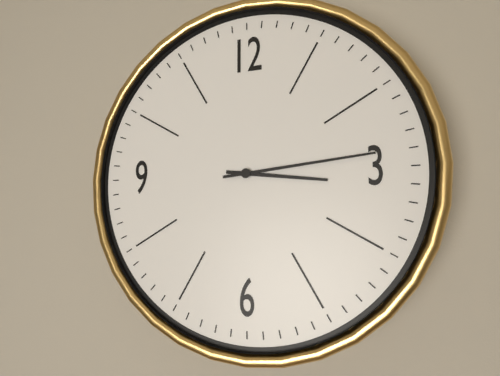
{"hour": 3, "minute": 14}
